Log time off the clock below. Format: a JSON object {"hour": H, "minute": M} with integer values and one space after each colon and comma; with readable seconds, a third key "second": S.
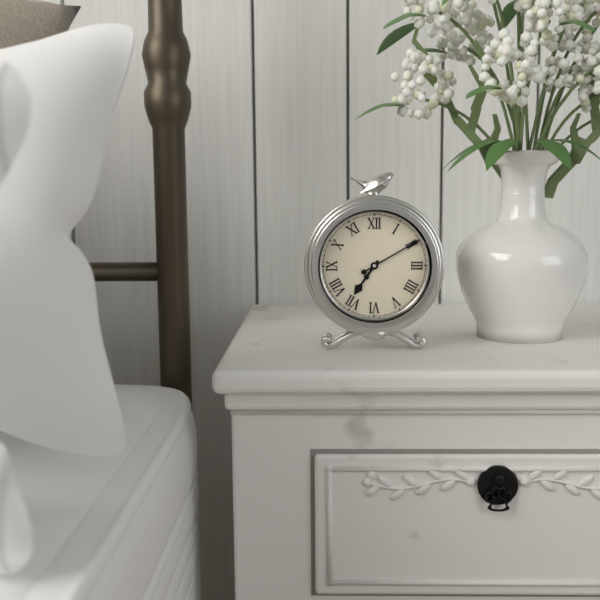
{"hour": 7, "minute": 10}
